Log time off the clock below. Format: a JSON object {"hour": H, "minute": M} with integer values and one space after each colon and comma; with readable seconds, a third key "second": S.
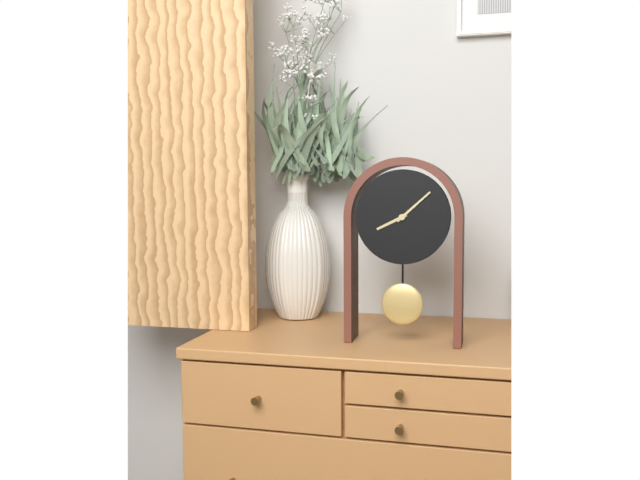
{"hour": 8, "minute": 8}
